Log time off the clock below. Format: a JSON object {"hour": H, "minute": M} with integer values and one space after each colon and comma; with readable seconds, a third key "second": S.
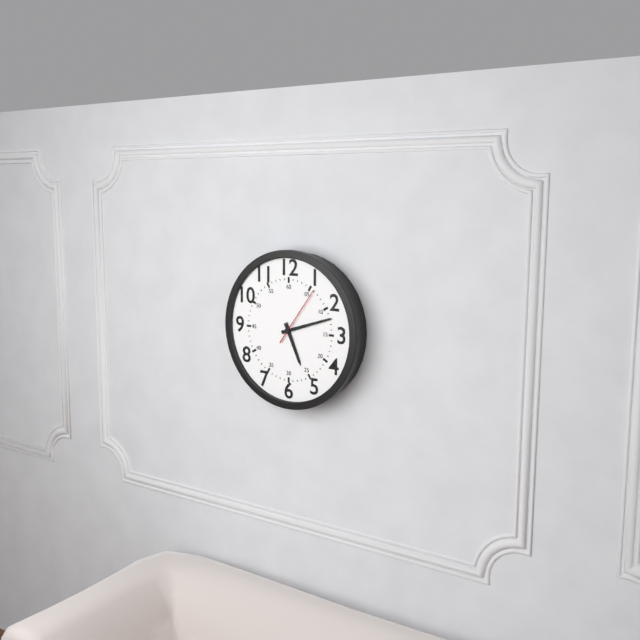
{"hour": 5, "minute": 12, "second": 6}
